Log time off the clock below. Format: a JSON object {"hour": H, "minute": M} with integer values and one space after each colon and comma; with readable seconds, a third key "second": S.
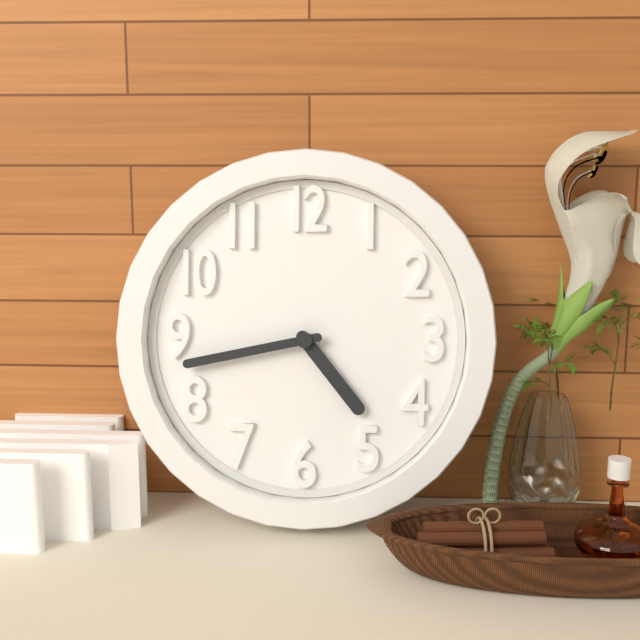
{"hour": 4, "minute": 43}
